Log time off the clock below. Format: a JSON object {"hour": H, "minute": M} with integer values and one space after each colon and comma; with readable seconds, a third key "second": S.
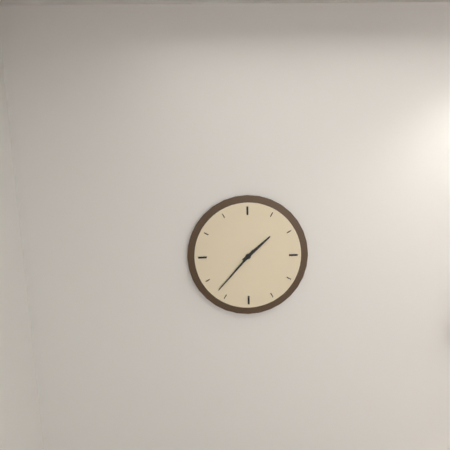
{"hour": 1, "minute": 37}
